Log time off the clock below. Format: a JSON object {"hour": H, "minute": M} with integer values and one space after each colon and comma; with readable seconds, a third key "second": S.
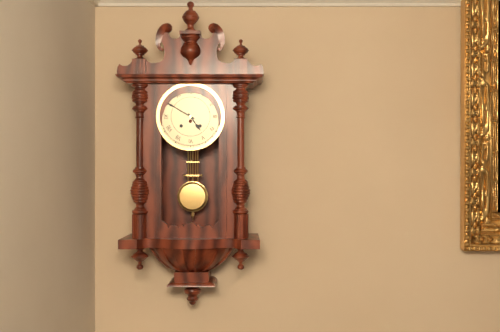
{"hour": 4, "minute": 50}
